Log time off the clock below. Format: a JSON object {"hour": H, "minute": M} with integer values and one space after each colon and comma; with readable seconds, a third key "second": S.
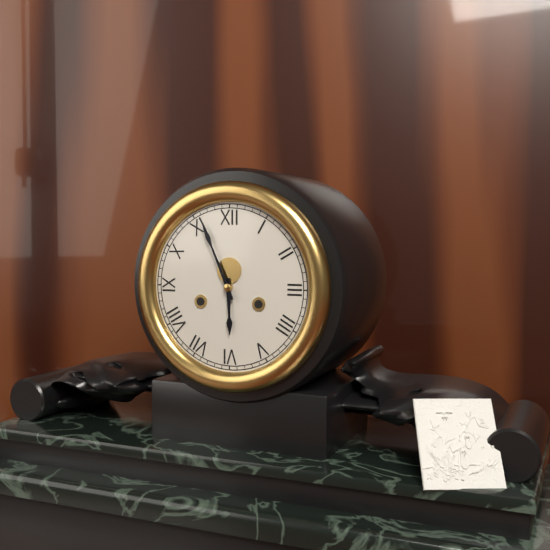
{"hour": 5, "minute": 56}
